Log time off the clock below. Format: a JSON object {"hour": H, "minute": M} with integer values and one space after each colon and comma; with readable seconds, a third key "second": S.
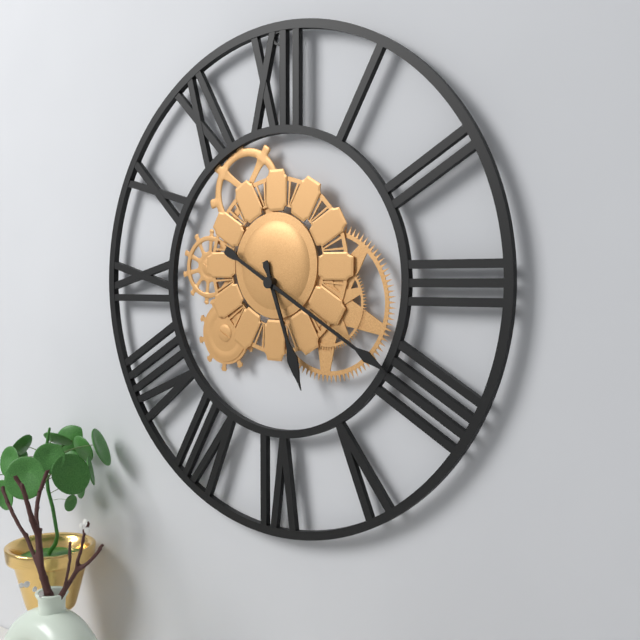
{"hour": 5, "minute": 20}
